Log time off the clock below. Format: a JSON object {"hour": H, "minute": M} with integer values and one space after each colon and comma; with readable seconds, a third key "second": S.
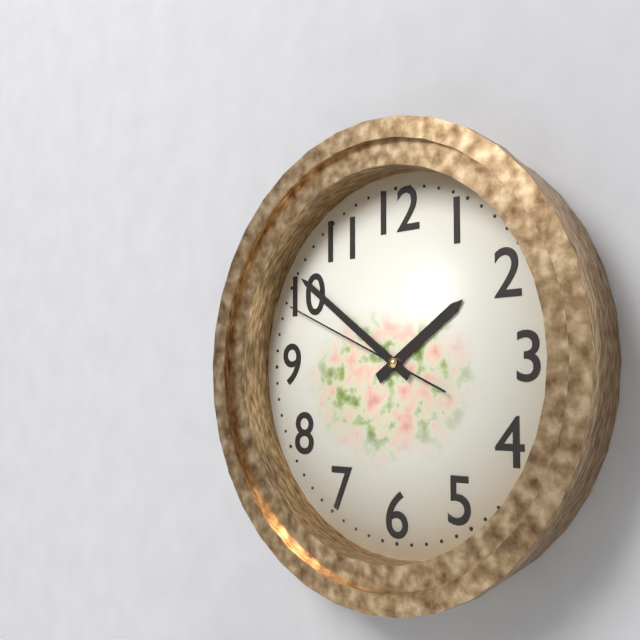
{"hour": 1, "minute": 51, "second": 49}
